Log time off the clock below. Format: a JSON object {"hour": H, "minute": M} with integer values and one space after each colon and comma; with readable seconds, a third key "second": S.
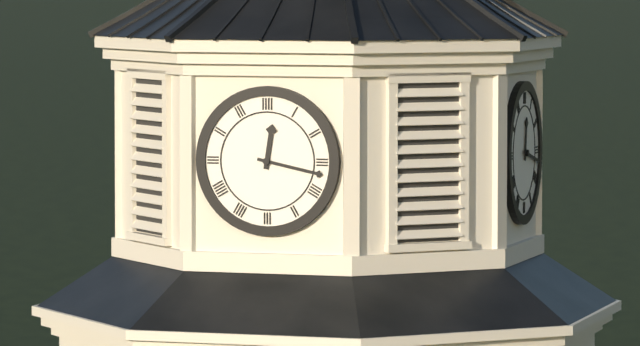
{"hour": 12, "minute": 17}
